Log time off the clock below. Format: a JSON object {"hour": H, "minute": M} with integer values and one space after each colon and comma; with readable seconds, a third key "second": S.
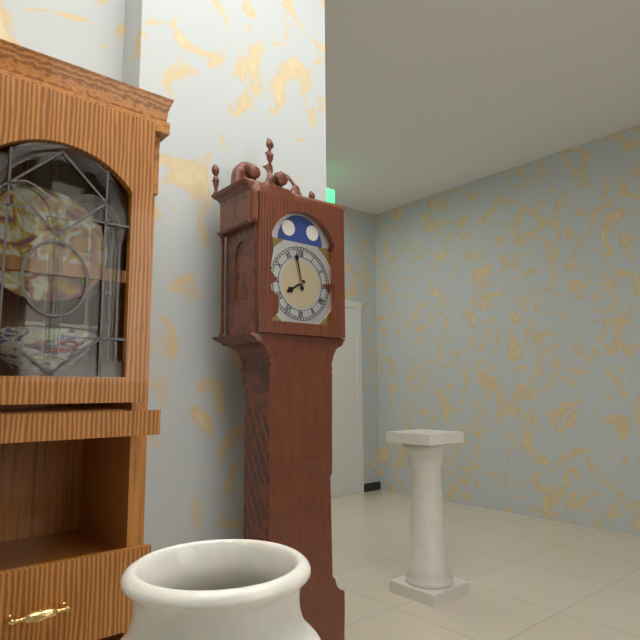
{"hour": 7, "minute": 58}
